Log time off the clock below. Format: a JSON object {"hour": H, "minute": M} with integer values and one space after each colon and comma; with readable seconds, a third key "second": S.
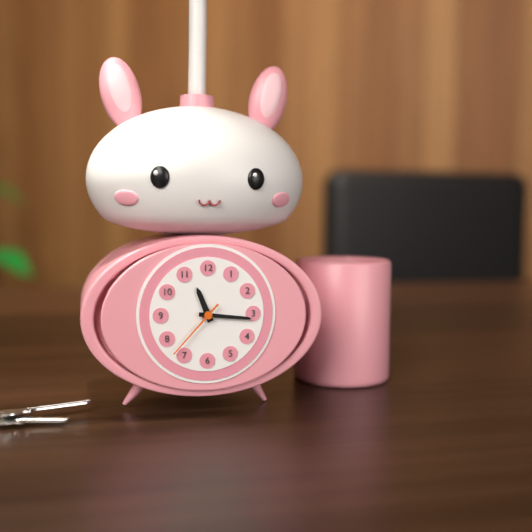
{"hour": 11, "minute": 16, "second": 37}
